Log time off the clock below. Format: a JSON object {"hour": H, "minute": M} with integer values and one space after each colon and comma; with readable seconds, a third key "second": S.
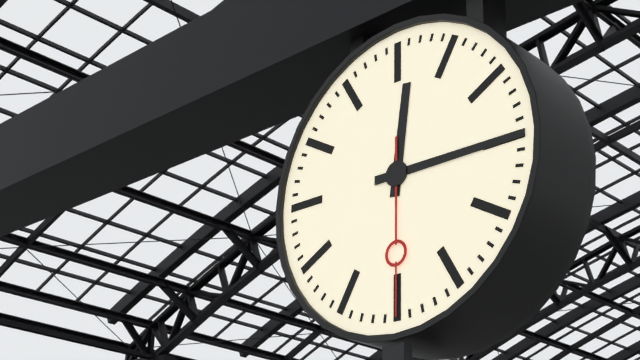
{"hour": 12, "minute": 15, "second": 30}
